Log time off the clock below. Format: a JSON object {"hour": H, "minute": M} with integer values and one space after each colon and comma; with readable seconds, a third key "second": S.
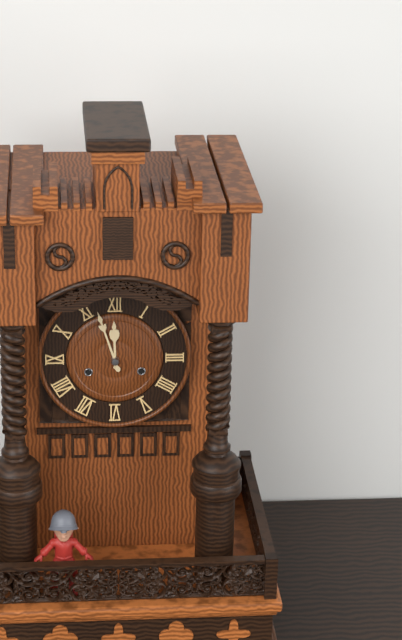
{"hour": 11, "minute": 57}
